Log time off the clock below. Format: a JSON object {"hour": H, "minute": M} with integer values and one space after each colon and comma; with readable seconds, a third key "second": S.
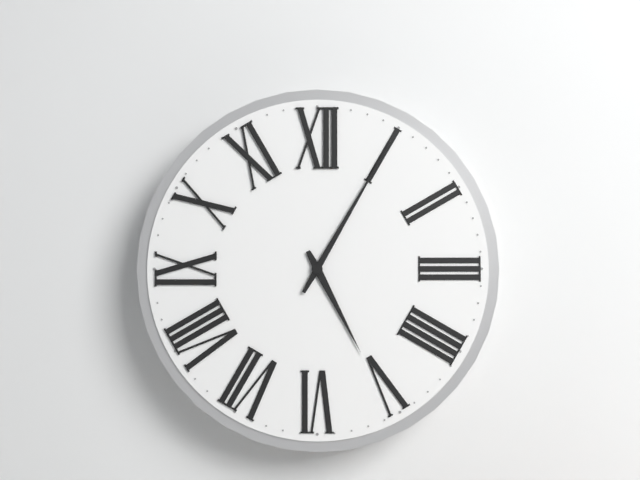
{"hour": 5, "minute": 5}
